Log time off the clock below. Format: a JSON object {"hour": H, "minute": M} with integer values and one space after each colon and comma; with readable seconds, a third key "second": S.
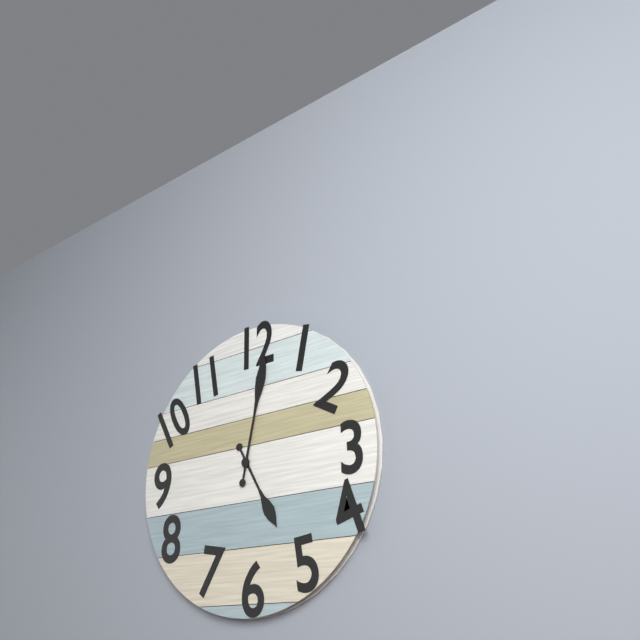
{"hour": 5, "minute": 2}
